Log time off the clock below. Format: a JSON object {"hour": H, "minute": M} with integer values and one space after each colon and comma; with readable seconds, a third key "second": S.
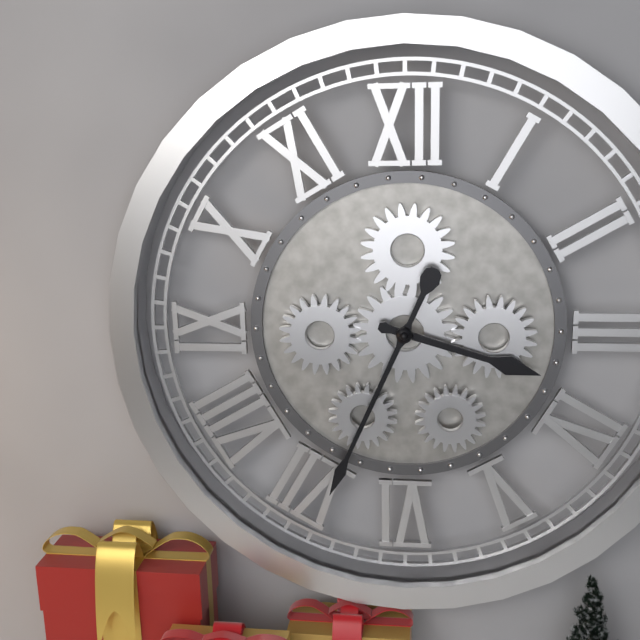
{"hour": 3, "minute": 34}
